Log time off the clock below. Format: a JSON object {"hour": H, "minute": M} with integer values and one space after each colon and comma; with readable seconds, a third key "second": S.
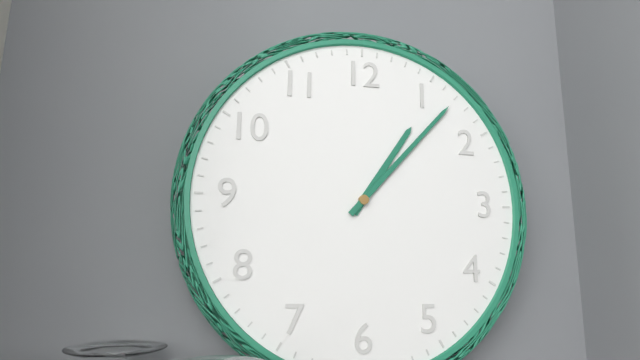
{"hour": 1, "minute": 7}
